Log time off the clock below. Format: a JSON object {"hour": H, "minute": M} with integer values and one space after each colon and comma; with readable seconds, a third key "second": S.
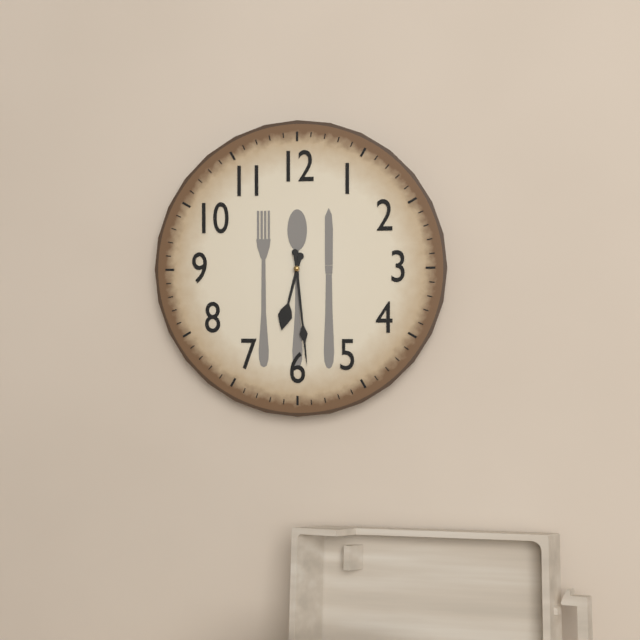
{"hour": 6, "minute": 29}
